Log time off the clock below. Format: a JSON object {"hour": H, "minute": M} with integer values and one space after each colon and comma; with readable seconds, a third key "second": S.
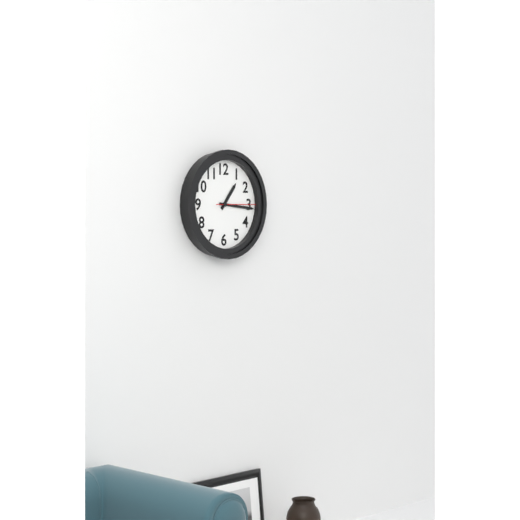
{"hour": 1, "minute": 16}
